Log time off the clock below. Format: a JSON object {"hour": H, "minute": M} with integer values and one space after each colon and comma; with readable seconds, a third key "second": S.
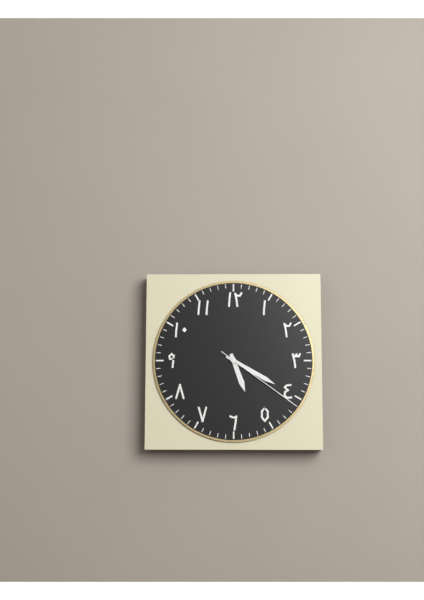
{"hour": 5, "minute": 20, "second": 21}
